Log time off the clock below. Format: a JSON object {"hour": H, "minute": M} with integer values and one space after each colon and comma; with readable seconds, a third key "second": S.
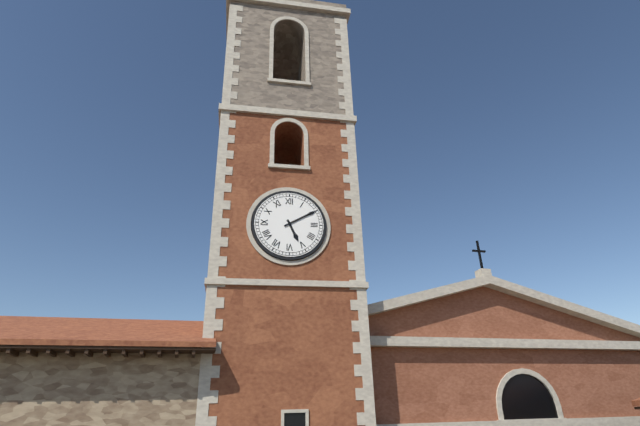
{"hour": 5, "minute": 10}
